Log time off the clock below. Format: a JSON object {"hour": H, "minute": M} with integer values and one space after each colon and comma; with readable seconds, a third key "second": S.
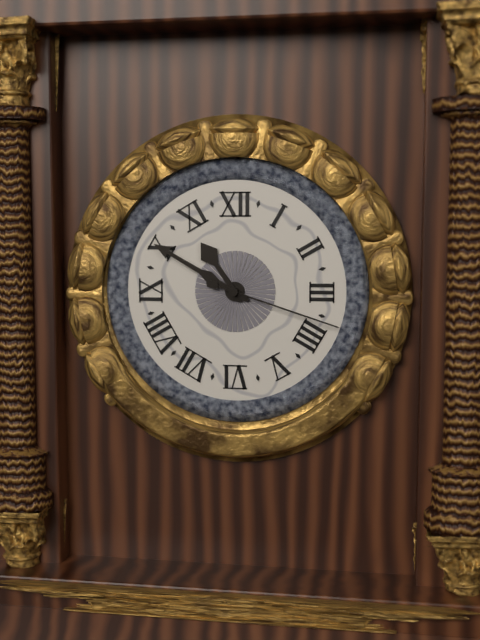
{"hour": 10, "minute": 50, "second": 18}
